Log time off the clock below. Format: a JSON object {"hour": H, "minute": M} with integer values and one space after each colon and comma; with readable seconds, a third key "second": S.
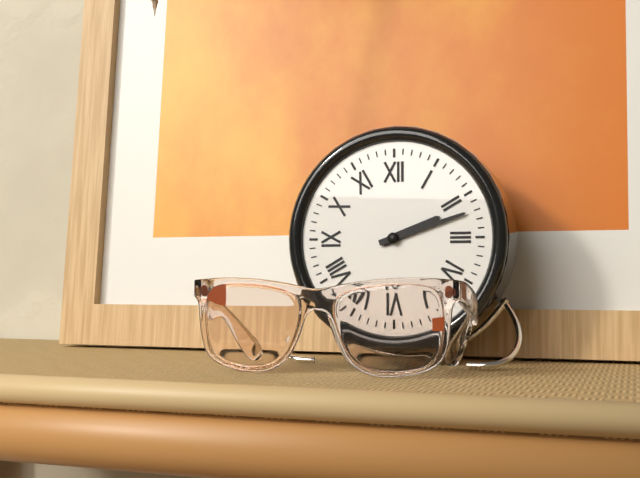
{"hour": 2, "minute": 12}
